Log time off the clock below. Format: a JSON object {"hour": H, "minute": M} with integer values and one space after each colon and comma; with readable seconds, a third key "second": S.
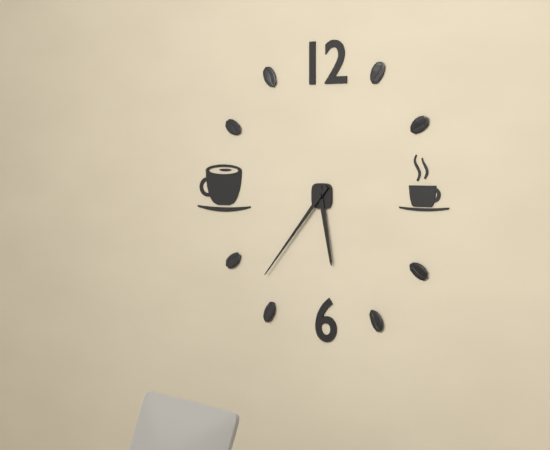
{"hour": 5, "minute": 37}
